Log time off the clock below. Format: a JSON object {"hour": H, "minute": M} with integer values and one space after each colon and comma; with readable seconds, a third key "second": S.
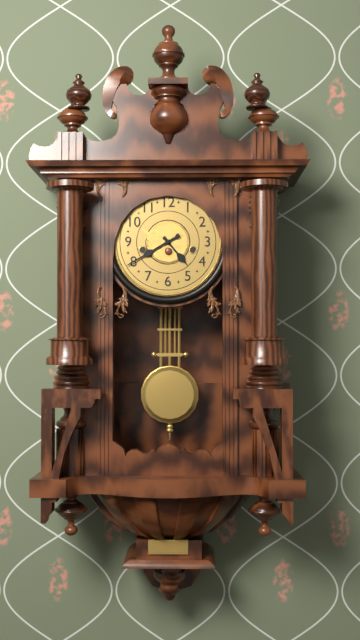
{"hour": 4, "minute": 40}
